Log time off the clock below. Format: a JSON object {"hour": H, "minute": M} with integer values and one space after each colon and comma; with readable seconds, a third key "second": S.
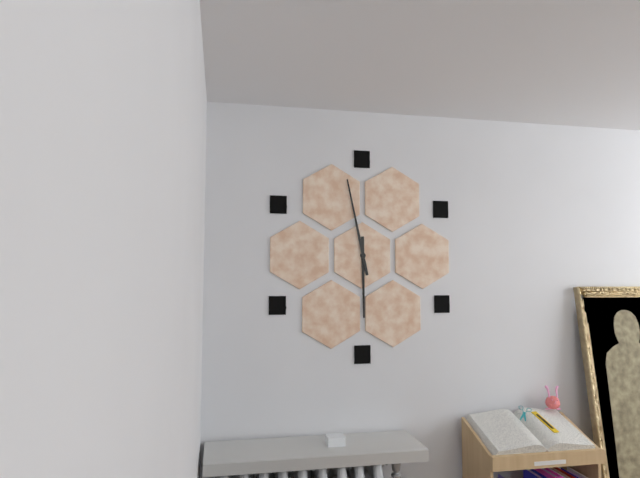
{"hour": 5, "minute": 58}
